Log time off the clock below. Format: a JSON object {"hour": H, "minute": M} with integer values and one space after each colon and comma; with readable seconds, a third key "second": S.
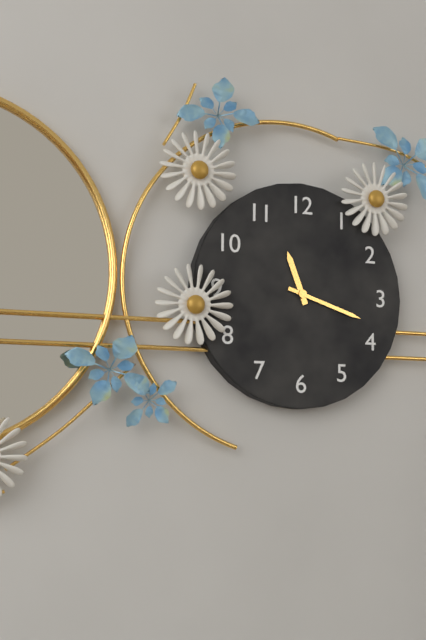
{"hour": 11, "minute": 18}
